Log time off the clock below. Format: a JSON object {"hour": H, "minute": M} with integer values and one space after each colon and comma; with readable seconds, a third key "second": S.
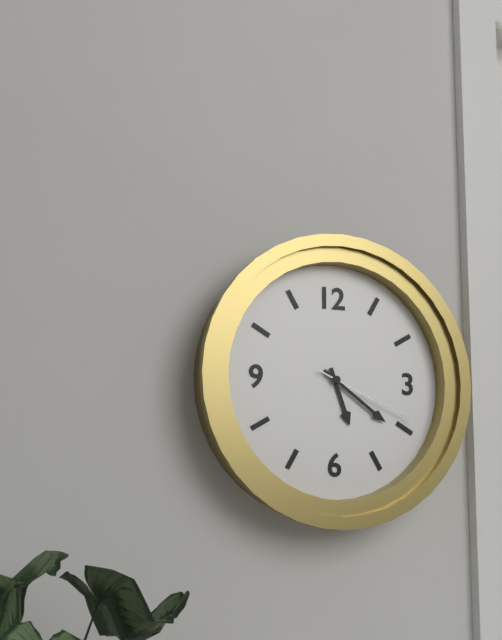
{"hour": 5, "minute": 21, "second": 19}
